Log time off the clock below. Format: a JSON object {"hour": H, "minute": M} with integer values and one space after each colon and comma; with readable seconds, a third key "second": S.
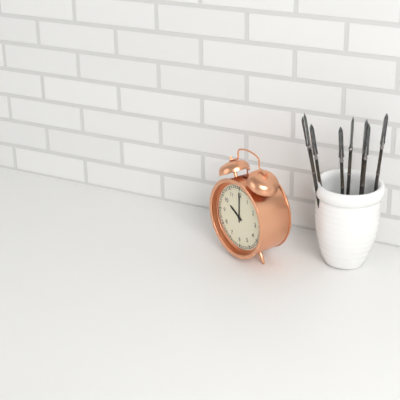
{"hour": 10, "minute": 0}
